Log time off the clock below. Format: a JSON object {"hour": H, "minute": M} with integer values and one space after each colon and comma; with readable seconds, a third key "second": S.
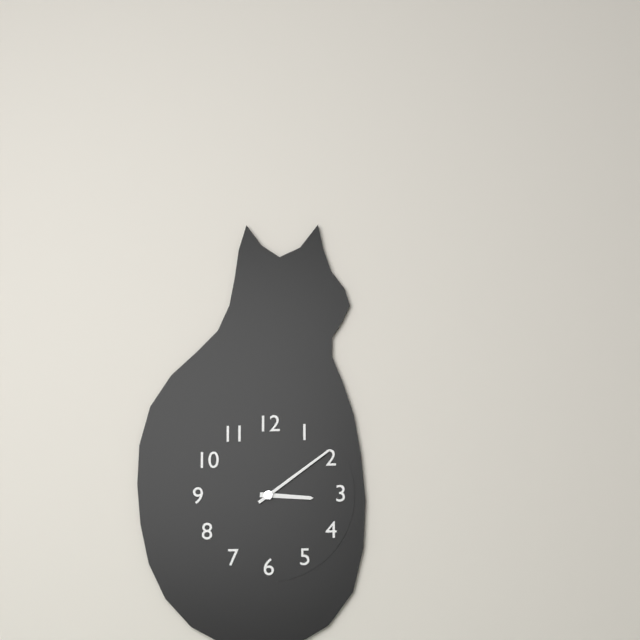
{"hour": 3, "minute": 9}
